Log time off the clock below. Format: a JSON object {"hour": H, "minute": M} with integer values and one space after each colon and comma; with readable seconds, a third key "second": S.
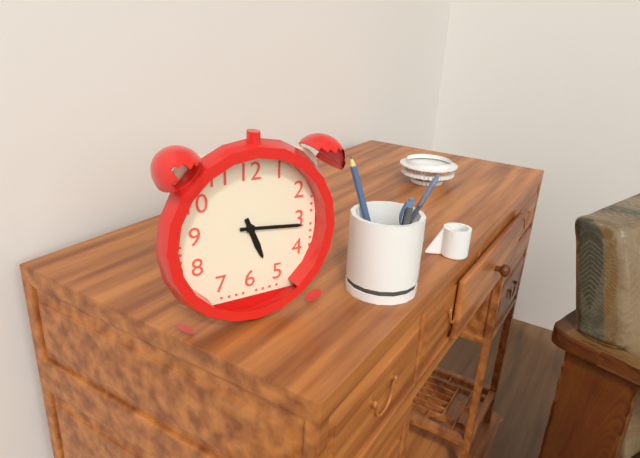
{"hour": 5, "minute": 16}
